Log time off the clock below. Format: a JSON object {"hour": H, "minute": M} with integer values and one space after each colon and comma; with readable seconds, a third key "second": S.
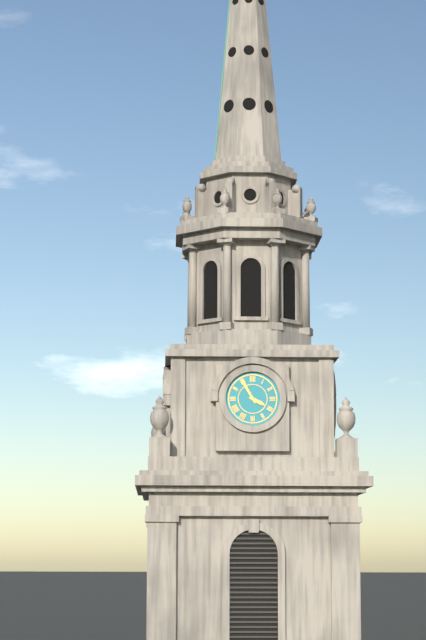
{"hour": 3, "minute": 55}
